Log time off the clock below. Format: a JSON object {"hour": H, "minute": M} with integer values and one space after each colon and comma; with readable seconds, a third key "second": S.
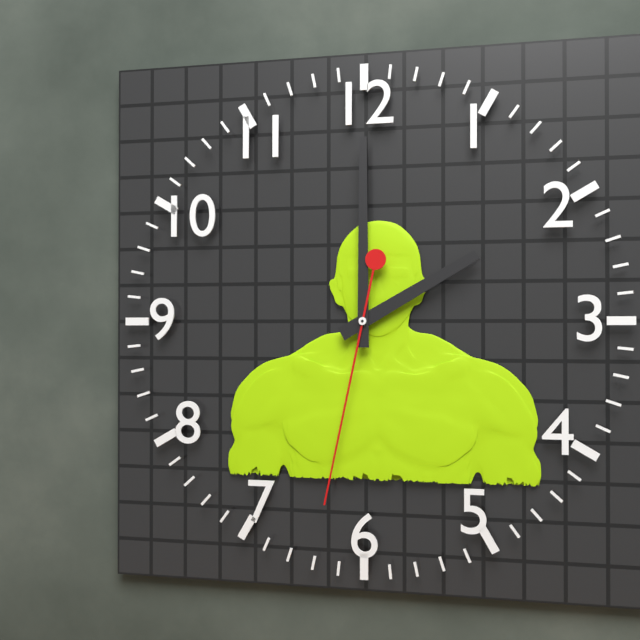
{"hour": 2, "minute": 0, "second": 32}
